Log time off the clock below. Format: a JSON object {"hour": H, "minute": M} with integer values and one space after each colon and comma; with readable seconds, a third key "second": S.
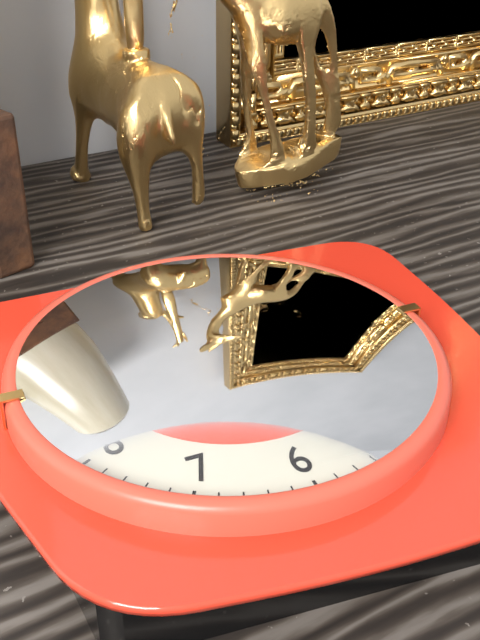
{"hour": 12, "minute": 24, "second": 15}
